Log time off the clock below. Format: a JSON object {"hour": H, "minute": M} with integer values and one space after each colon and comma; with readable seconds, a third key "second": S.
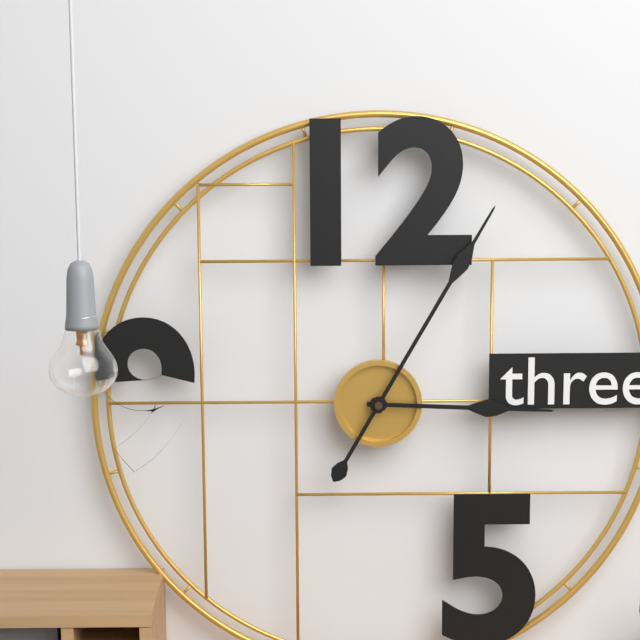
{"hour": 3, "minute": 5}
